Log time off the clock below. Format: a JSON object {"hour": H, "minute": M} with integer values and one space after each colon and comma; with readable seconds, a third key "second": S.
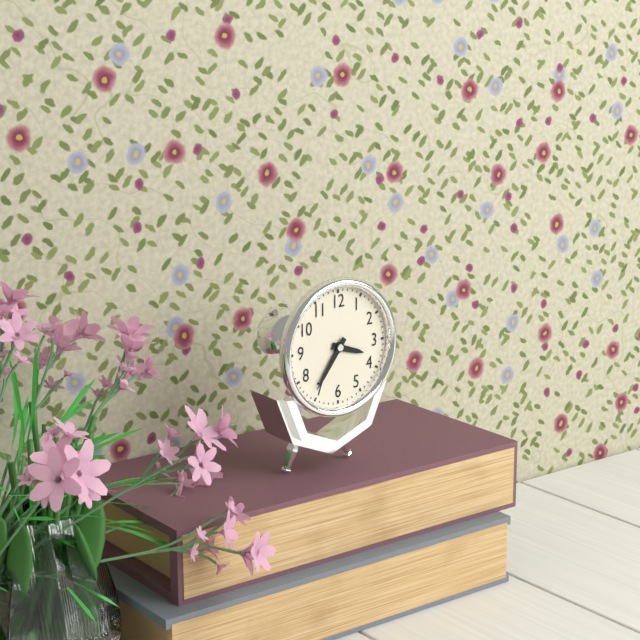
{"hour": 3, "minute": 36}
